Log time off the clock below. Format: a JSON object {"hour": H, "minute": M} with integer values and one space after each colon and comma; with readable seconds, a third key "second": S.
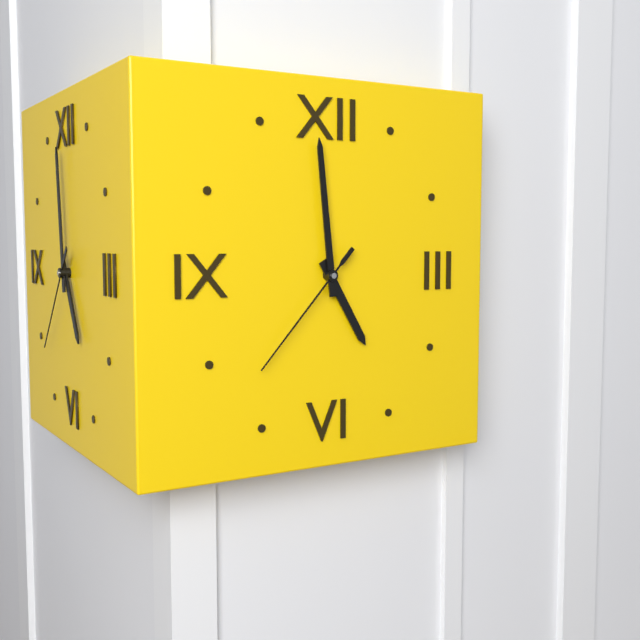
{"hour": 4, "minute": 59, "second": 37}
